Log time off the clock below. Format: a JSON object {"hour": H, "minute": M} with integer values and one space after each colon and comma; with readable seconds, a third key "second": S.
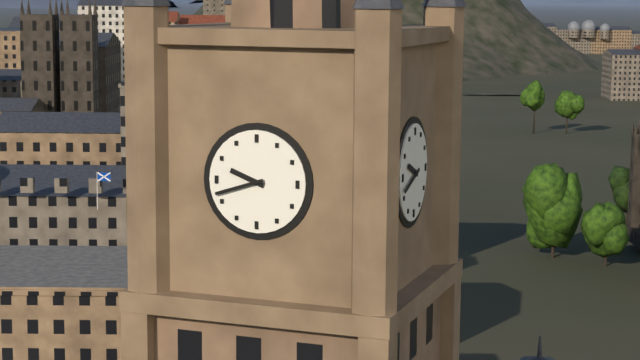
{"hour": 9, "minute": 42}
